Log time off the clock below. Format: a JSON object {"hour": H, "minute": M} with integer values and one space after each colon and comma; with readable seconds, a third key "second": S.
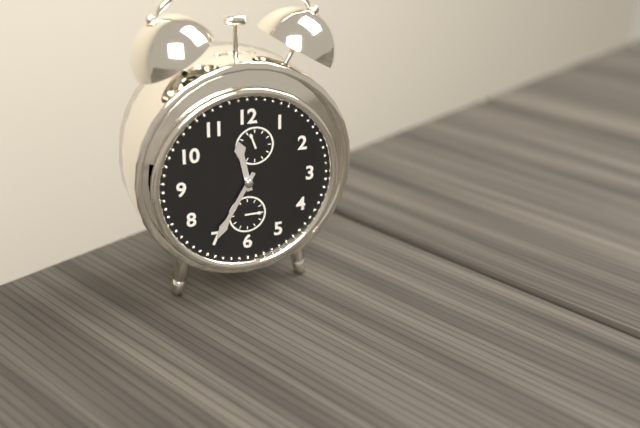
{"hour": 11, "minute": 35}
